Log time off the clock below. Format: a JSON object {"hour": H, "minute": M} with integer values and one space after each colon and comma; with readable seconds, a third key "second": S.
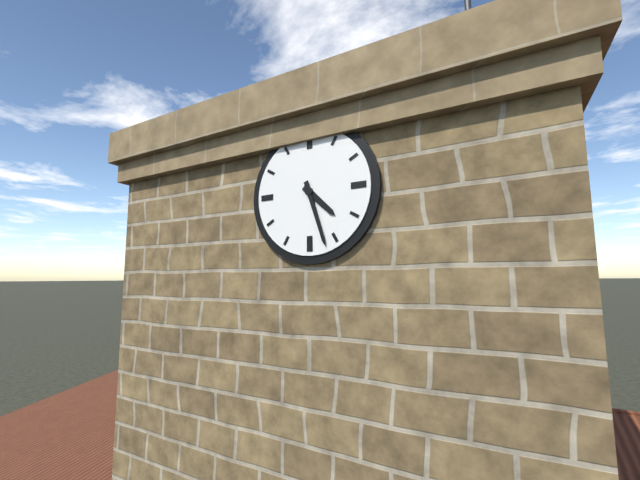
{"hour": 4, "minute": 27}
